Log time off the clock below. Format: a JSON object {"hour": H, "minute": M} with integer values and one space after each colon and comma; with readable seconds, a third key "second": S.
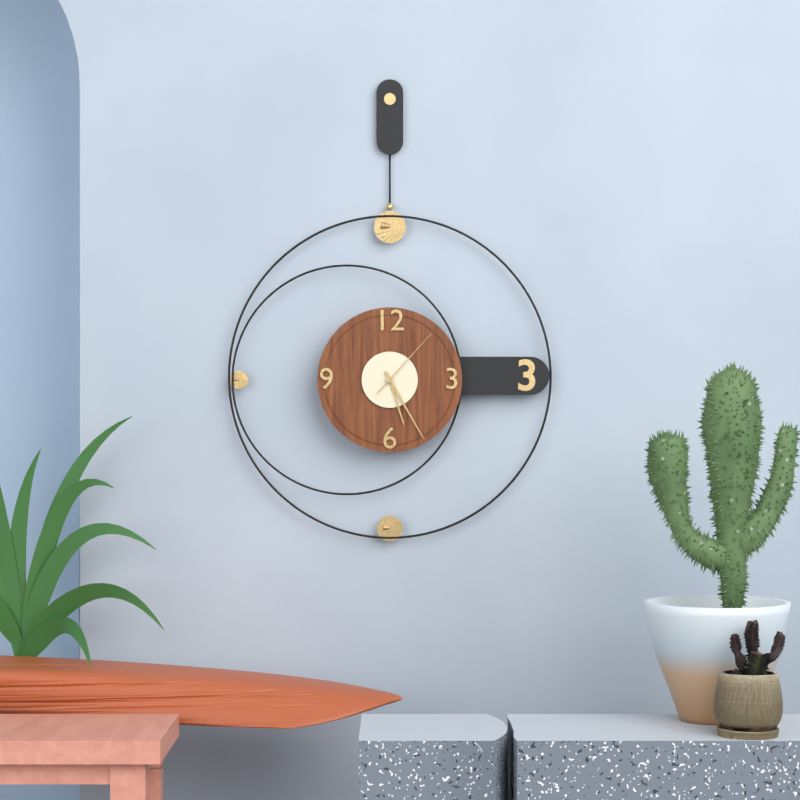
{"hour": 5, "minute": 25, "second": 7}
